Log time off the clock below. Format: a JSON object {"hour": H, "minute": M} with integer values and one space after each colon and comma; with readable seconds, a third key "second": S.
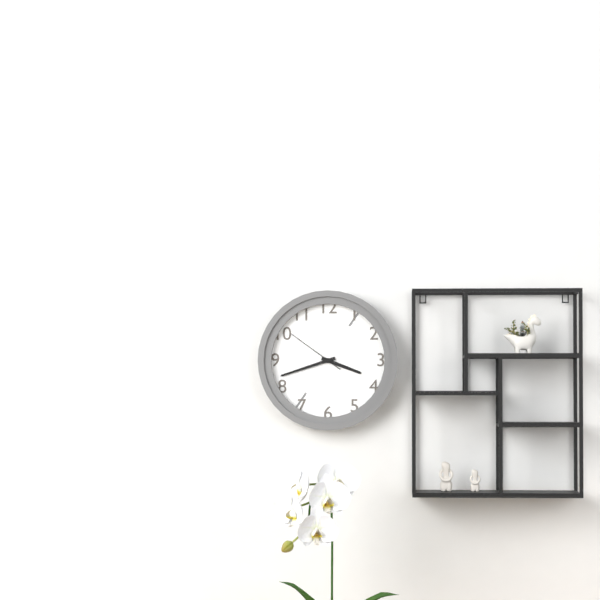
{"hour": 3, "minute": 42, "second": 51}
